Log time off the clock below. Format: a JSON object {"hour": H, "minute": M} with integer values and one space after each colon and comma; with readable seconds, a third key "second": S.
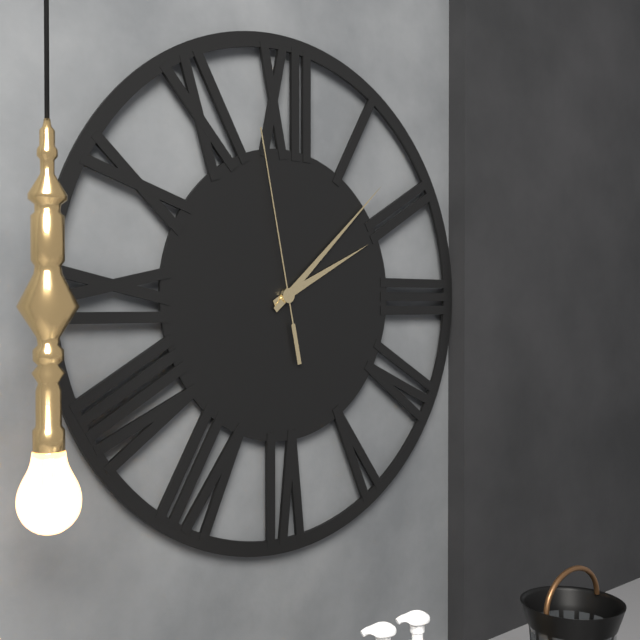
{"hour": 2, "minute": 8, "second": 58}
